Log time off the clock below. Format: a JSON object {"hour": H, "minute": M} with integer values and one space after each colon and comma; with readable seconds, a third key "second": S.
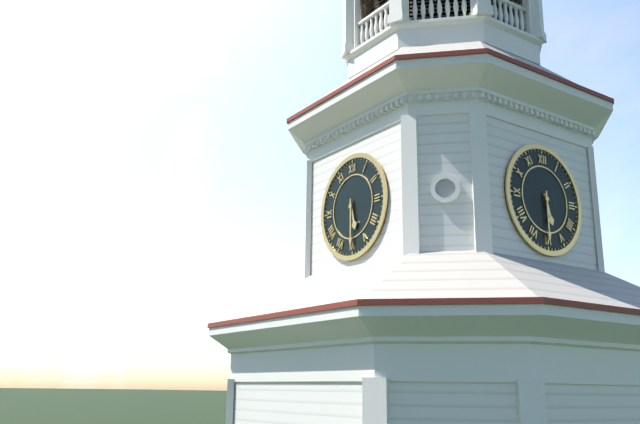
{"hour": 5, "minute": 30}
